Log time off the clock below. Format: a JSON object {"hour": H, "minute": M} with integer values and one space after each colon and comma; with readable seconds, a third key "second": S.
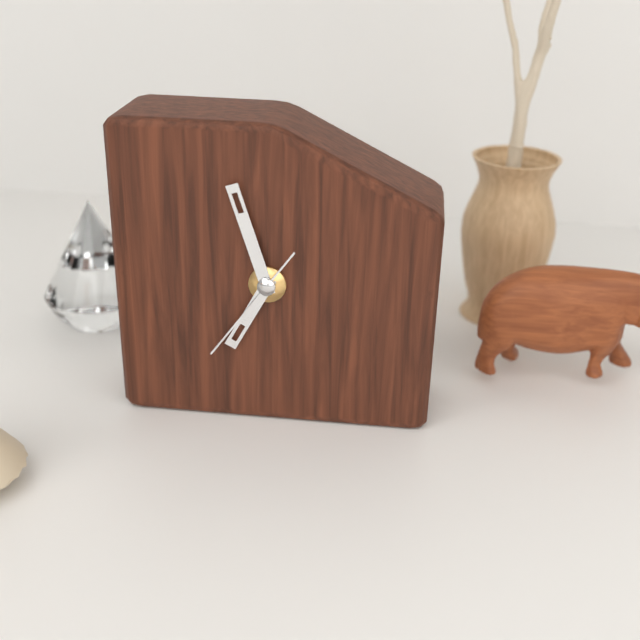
{"hour": 6, "minute": 57, "second": 36}
